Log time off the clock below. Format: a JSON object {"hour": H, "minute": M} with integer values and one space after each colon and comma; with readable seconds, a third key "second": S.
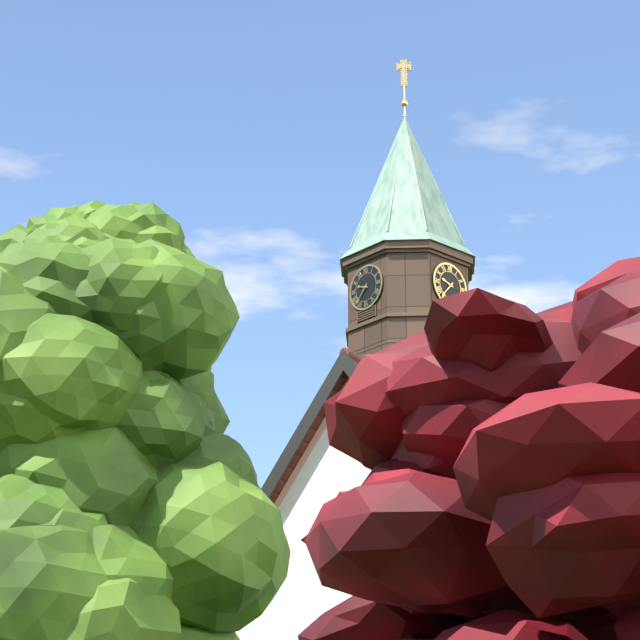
{"hour": 9, "minute": 37}
